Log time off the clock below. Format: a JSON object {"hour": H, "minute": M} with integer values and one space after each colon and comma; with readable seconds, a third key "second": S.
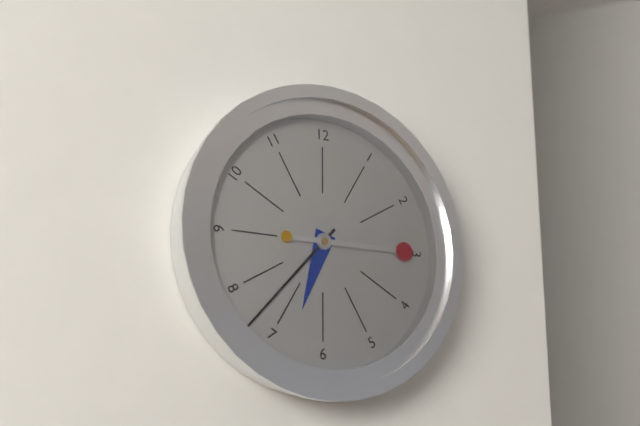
{"hour": 6, "minute": 37, "second": 15}
